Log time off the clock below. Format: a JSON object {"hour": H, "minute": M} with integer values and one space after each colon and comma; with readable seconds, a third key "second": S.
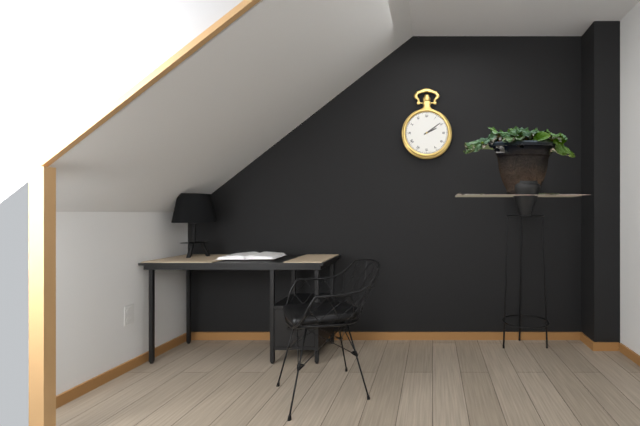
{"hour": 2, "minute": 9}
